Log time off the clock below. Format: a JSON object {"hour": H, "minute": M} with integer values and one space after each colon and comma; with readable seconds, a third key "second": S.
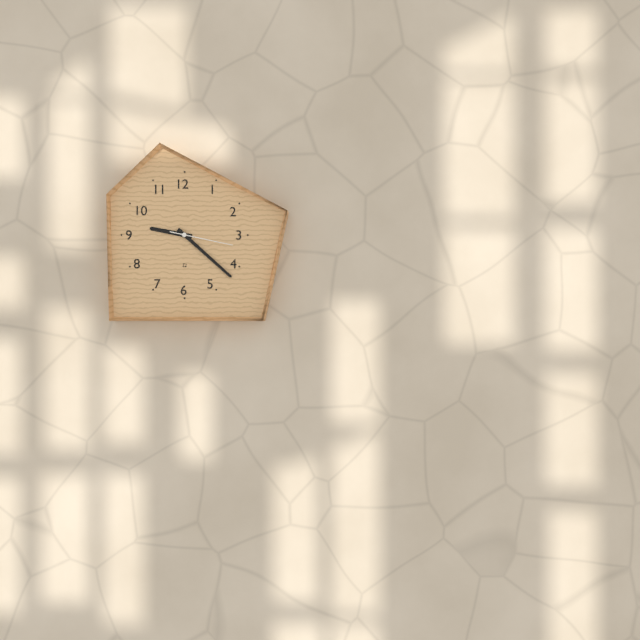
{"hour": 9, "minute": 22, "second": 17}
